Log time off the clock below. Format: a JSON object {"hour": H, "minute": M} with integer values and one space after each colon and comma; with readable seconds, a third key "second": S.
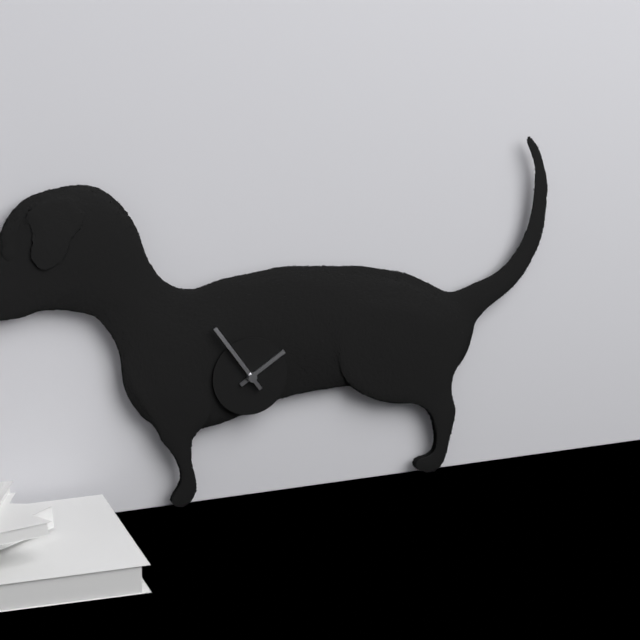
{"hour": 1, "minute": 54}
